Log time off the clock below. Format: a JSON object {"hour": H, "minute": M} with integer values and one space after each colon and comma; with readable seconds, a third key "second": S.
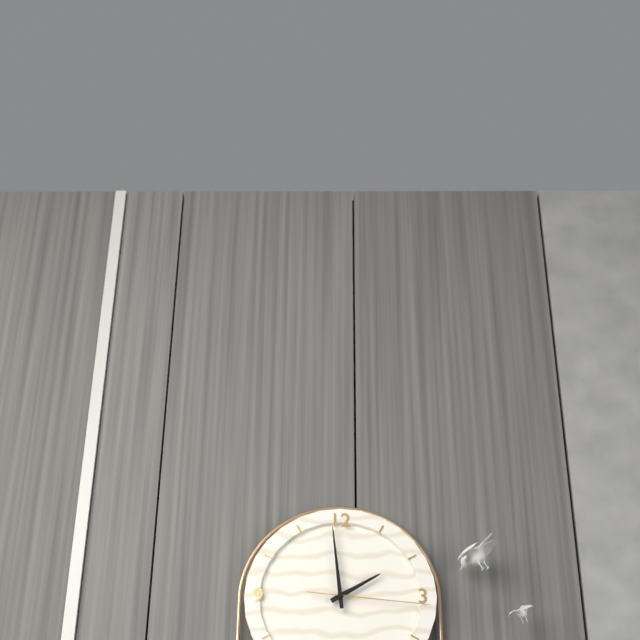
{"hour": 1, "minute": 59, "second": 16}
